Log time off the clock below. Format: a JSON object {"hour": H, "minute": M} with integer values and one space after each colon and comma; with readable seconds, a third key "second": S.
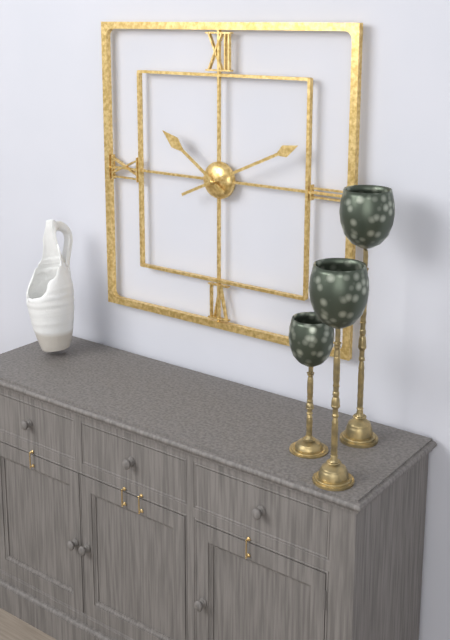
{"hour": 10, "minute": 11}
